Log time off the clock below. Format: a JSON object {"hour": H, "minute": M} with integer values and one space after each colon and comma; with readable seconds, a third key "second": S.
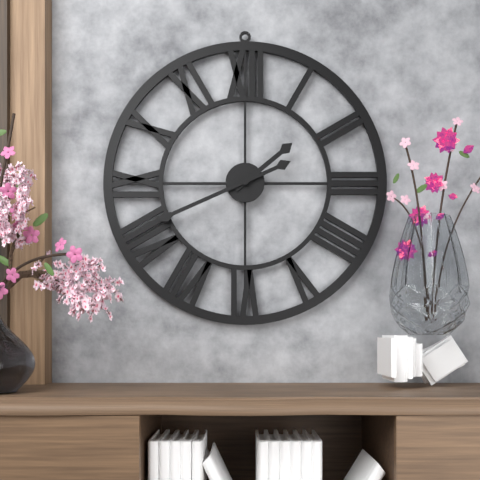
{"hour": 1, "minute": 41}
